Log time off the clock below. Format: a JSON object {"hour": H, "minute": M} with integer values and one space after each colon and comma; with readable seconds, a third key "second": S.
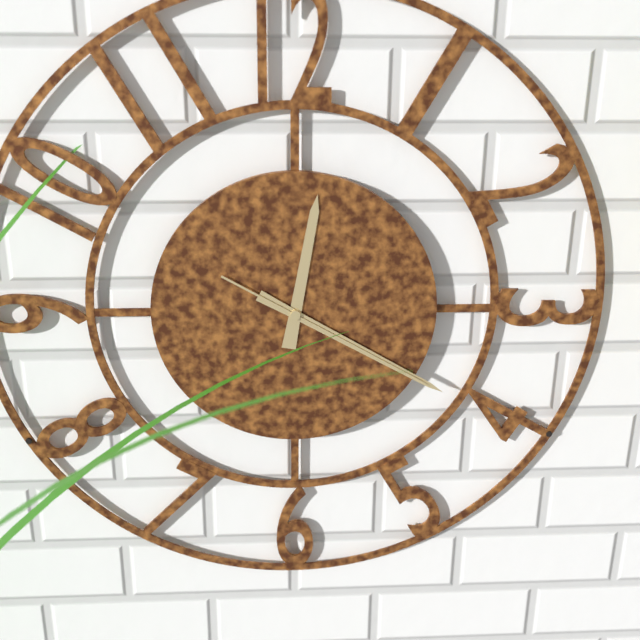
{"hour": 12, "minute": 20, "second": 20}
